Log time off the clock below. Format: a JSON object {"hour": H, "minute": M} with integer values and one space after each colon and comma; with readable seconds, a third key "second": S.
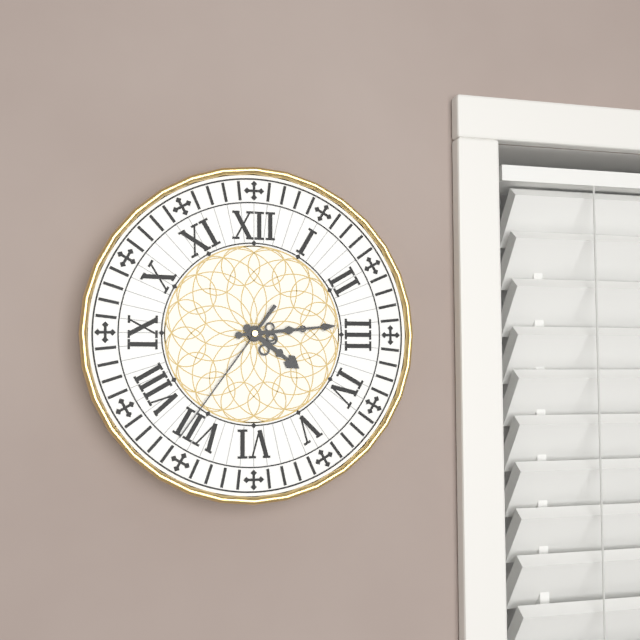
{"hour": 4, "minute": 14, "second": 36}
